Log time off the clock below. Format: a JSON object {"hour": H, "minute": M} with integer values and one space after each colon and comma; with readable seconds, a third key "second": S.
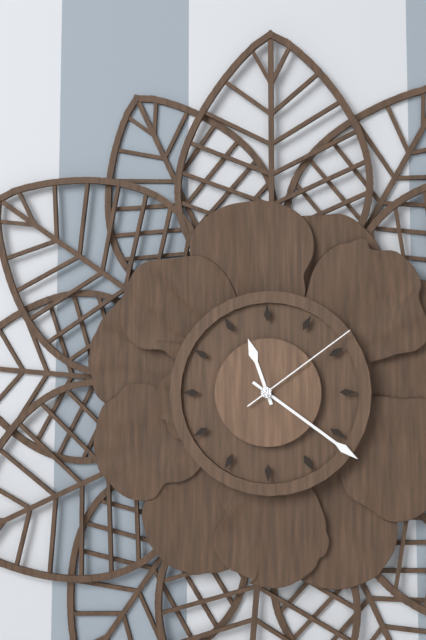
{"hour": 11, "minute": 21, "second": 9}
